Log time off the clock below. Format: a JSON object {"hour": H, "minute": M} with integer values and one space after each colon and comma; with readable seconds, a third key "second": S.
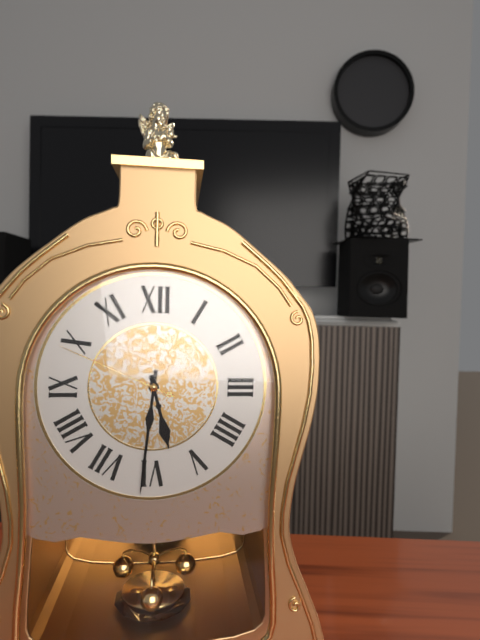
{"hour": 5, "minute": 31, "second": 49}
